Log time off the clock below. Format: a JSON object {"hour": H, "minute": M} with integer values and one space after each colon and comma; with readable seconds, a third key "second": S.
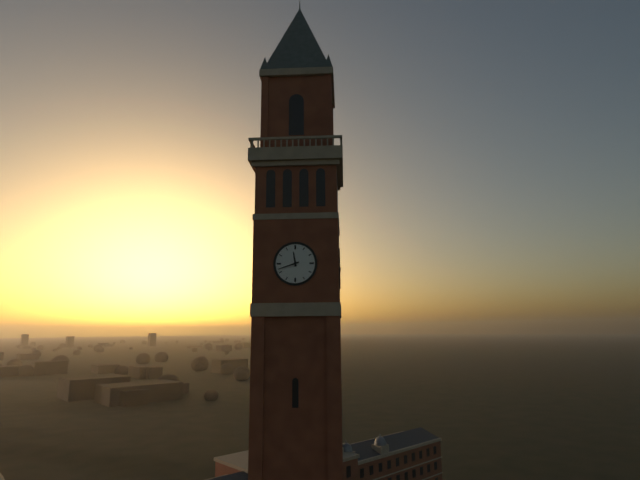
{"hour": 11, "minute": 42}
